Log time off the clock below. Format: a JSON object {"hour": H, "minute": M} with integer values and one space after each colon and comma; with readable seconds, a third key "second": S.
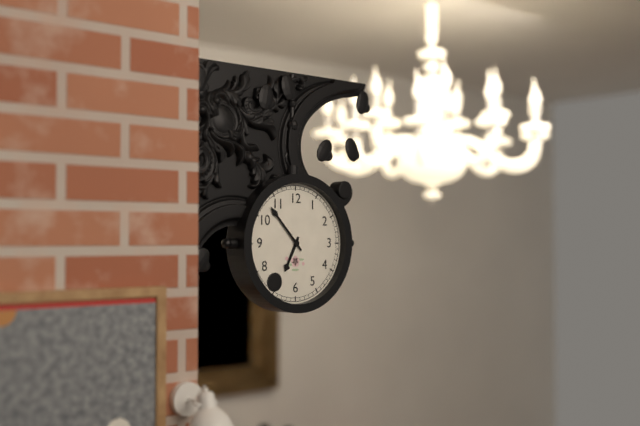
{"hour": 6, "minute": 53}
